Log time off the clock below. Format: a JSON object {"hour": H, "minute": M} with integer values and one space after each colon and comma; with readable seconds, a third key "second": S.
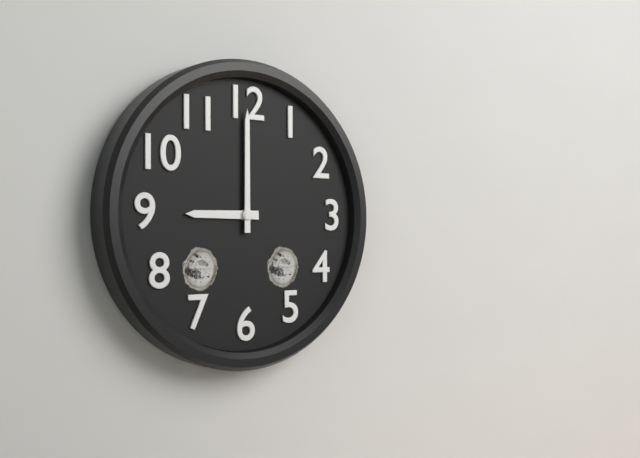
{"hour": 9, "minute": 0}
